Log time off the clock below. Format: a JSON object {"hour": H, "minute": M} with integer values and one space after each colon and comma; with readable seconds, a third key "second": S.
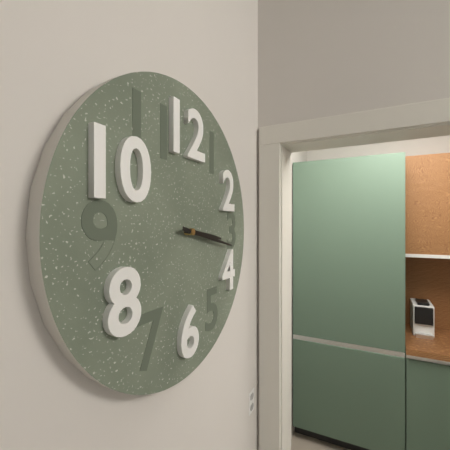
{"hour": 3, "minute": 17}
